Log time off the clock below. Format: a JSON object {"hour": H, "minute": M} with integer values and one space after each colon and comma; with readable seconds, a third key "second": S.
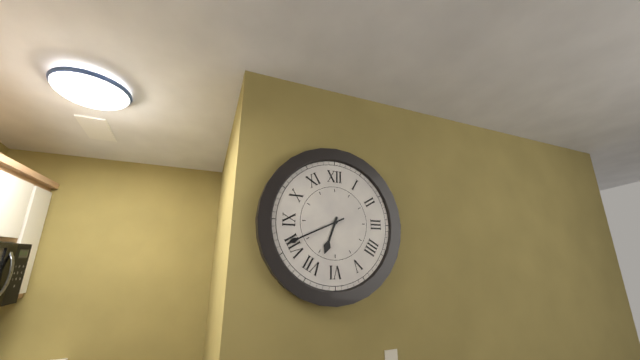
{"hour": 6, "minute": 41}
